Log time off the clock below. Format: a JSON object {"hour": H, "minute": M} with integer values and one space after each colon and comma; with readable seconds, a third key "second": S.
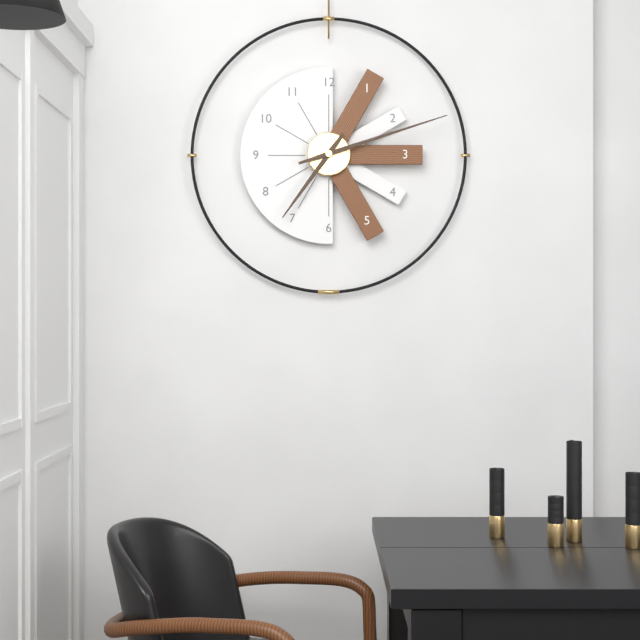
{"hour": 7, "minute": 12}
